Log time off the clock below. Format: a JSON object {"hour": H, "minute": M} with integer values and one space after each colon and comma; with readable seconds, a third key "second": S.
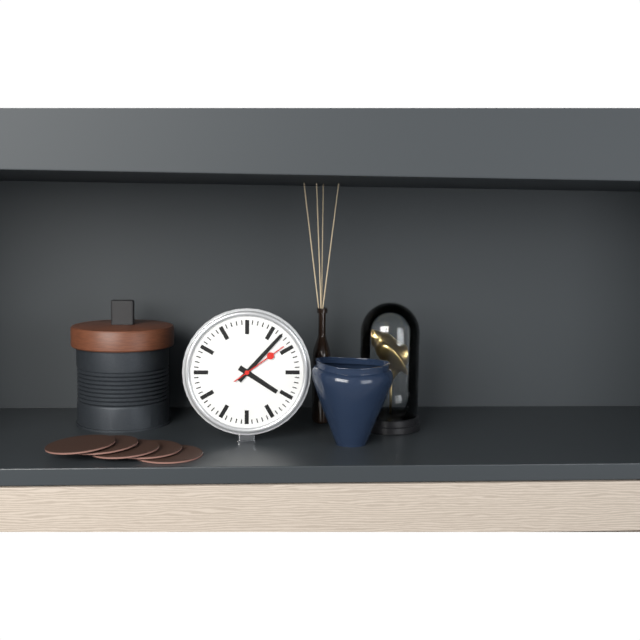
{"hour": 4, "minute": 7, "second": 9}
